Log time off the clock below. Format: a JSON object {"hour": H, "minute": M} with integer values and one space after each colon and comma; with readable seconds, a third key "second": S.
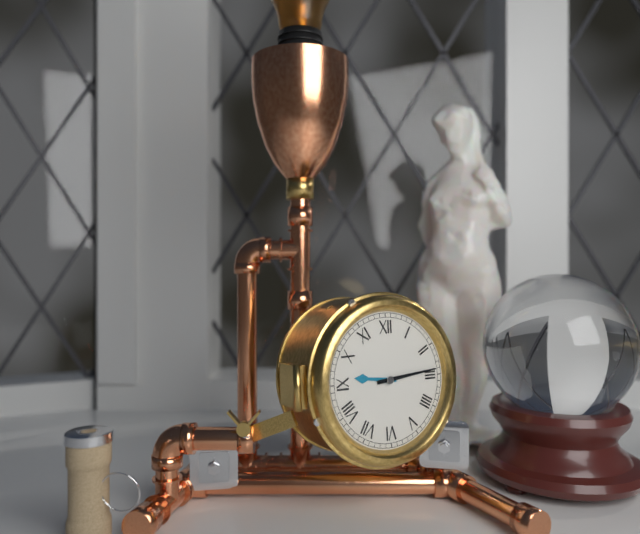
{"hour": 9, "minute": 14}
